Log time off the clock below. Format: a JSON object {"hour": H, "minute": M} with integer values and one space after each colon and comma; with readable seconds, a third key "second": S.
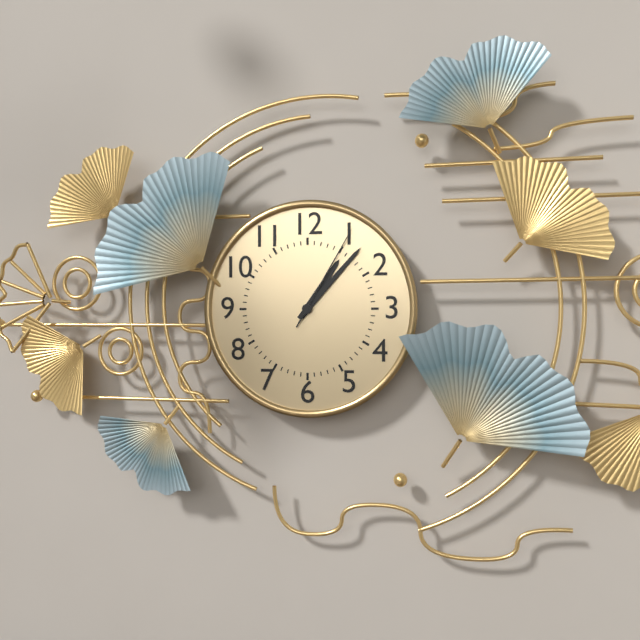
{"hour": 1, "minute": 7, "second": 5}
